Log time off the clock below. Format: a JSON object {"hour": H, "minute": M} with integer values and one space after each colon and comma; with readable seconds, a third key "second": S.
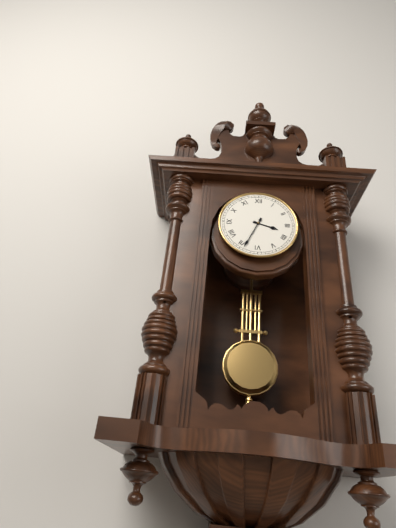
{"hour": 3, "minute": 34}
